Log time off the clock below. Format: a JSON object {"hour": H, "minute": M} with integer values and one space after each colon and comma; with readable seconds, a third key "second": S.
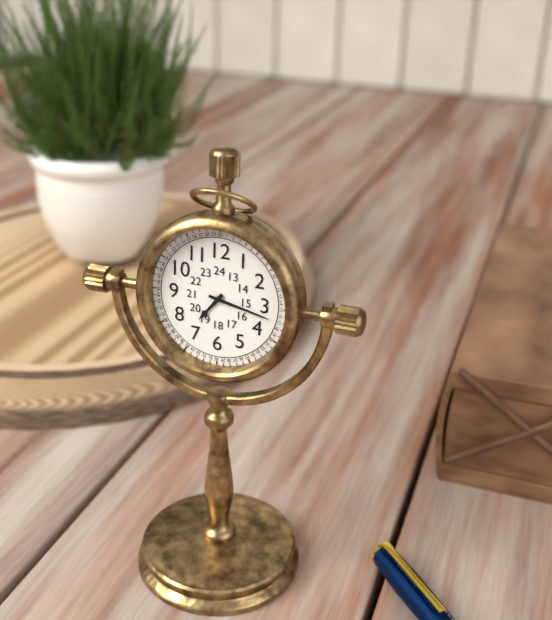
{"hour": 7, "minute": 17}
